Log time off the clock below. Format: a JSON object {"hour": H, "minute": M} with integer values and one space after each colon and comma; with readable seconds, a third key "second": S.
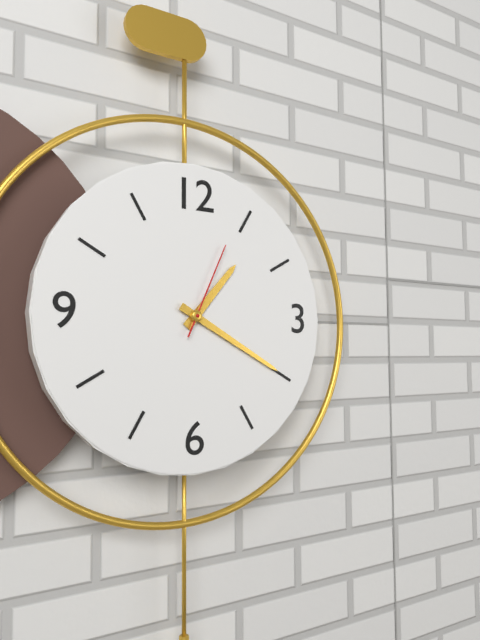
{"hour": 1, "minute": 20, "second": 4}
